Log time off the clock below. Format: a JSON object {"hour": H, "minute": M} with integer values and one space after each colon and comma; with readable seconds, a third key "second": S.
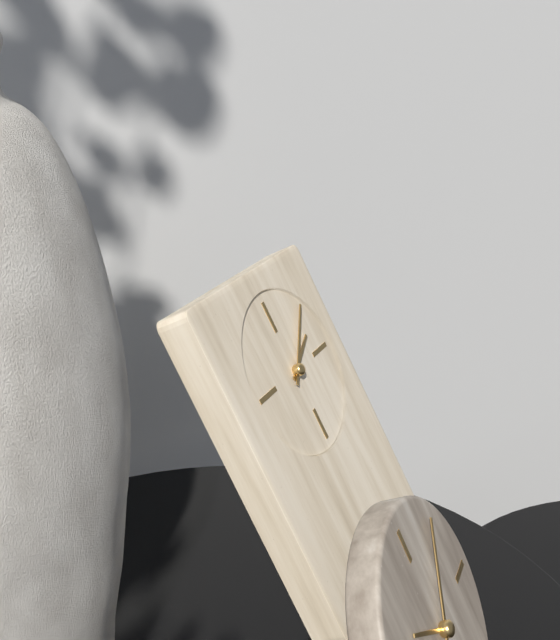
{"hour": 2, "minute": 8}
